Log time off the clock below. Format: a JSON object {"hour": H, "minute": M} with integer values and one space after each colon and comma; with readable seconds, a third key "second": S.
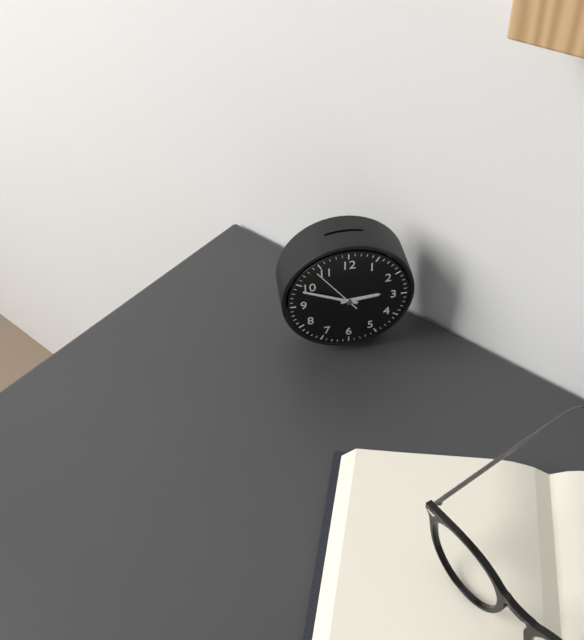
{"hour": 2, "minute": 49, "second": 54}
